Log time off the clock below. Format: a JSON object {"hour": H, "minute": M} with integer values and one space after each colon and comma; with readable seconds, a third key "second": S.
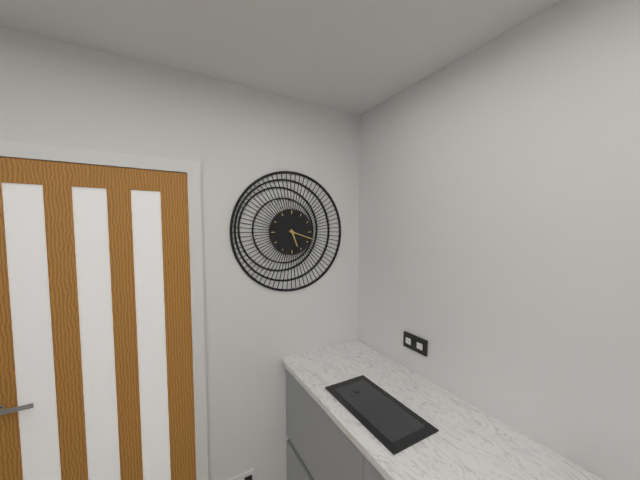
{"hour": 5, "minute": 18}
